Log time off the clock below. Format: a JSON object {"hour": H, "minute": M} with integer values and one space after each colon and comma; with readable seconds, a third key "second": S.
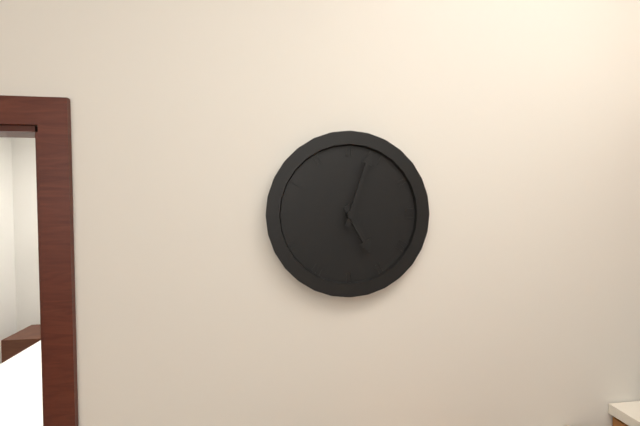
{"hour": 5, "minute": 3}
